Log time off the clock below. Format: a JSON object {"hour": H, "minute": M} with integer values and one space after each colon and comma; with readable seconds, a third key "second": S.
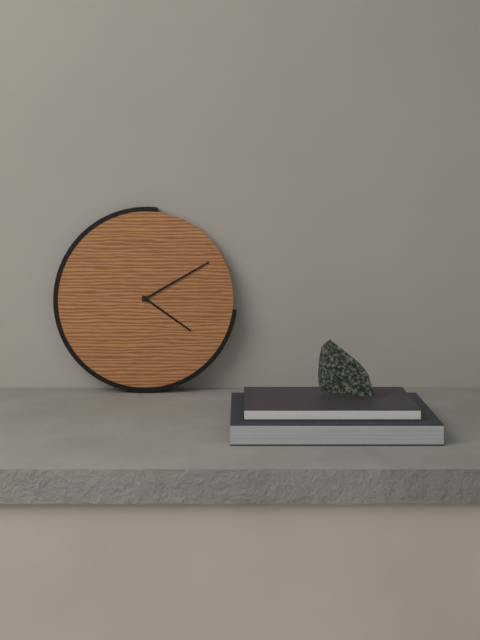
{"hour": 4, "minute": 10}
